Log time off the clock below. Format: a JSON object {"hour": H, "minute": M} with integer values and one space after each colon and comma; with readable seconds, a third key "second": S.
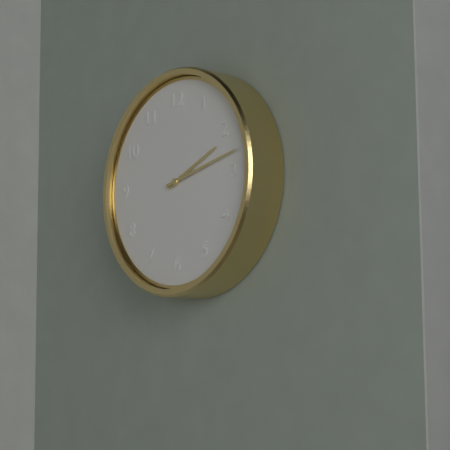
{"hour": 2, "minute": 13}
